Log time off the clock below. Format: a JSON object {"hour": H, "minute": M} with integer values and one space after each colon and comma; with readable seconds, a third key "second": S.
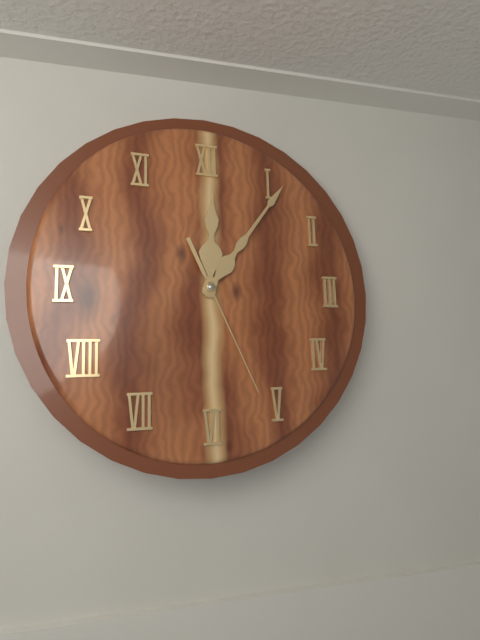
{"hour": 12, "minute": 6, "second": 26}
